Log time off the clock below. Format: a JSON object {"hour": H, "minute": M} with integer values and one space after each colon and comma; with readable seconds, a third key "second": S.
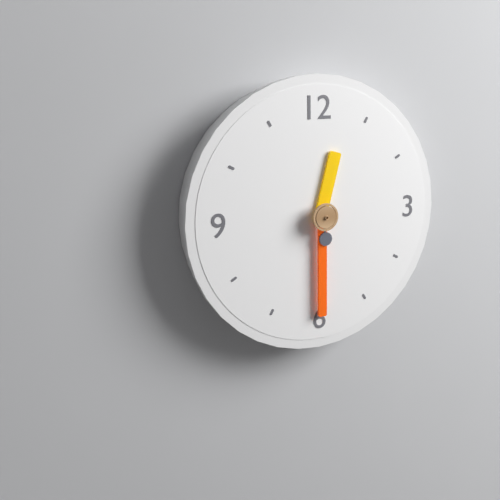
{"hour": 12, "minute": 30}
